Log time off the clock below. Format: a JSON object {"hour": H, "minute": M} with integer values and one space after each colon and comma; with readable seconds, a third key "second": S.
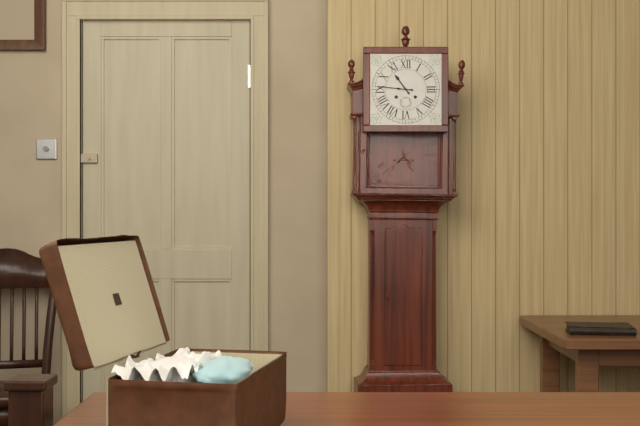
{"hour": 10, "minute": 46}
